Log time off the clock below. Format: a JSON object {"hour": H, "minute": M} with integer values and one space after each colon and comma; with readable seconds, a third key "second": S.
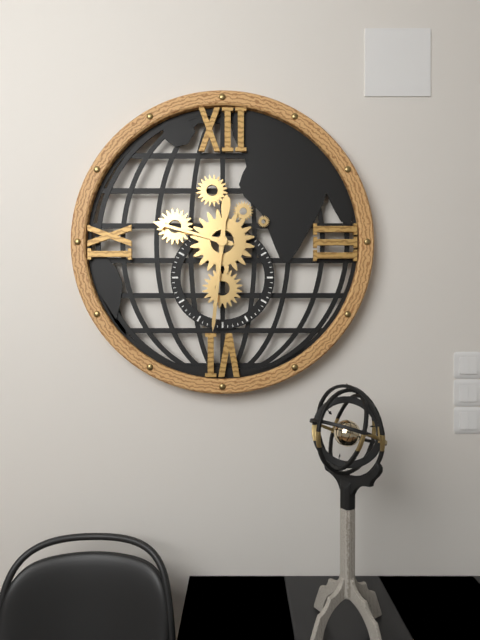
{"hour": 9, "minute": 31}
